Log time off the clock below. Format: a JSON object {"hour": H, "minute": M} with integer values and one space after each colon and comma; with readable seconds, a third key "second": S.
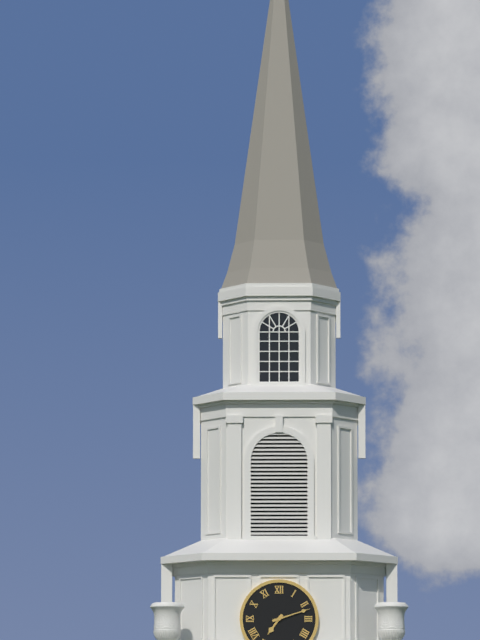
{"hour": 7, "minute": 12}
